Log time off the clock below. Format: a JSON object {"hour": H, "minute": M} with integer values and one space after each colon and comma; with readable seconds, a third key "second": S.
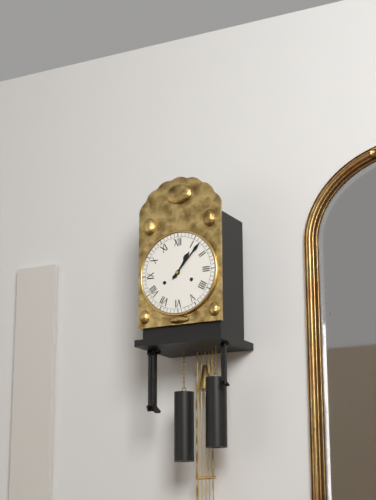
{"hour": 1, "minute": 7}
